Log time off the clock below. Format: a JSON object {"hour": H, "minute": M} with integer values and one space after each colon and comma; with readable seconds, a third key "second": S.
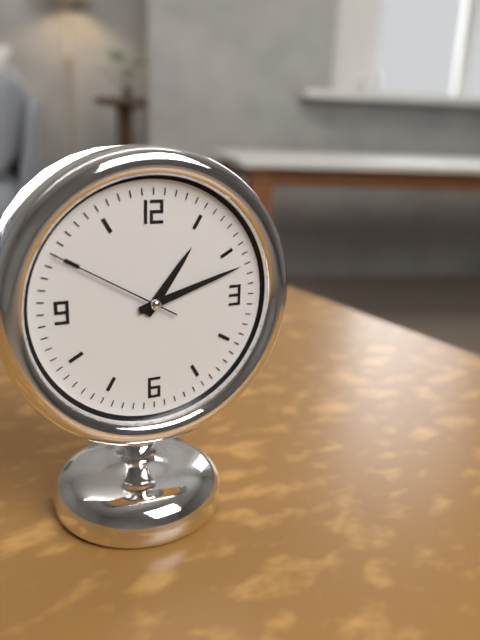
{"hour": 1, "minute": 12, "second": 50}
